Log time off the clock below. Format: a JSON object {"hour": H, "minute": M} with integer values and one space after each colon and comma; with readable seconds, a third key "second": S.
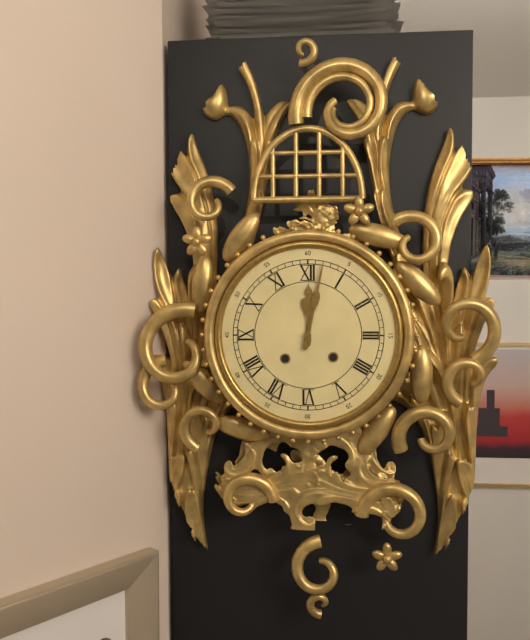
{"hour": 12, "minute": 2}
